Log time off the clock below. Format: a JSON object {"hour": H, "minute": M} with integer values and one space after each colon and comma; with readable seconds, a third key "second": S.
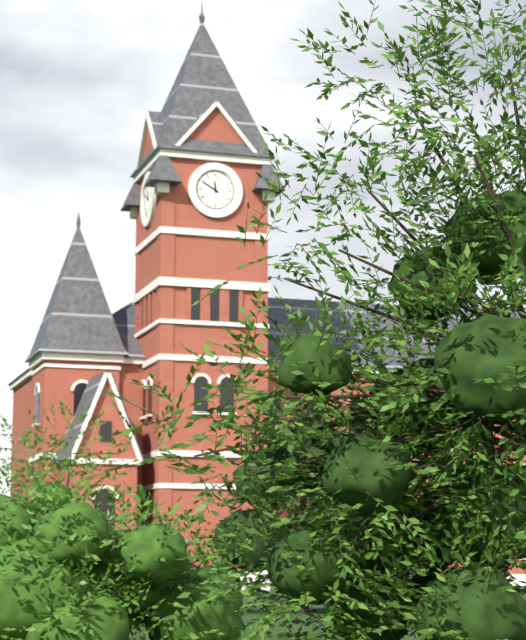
{"hour": 11, "minute": 50}
